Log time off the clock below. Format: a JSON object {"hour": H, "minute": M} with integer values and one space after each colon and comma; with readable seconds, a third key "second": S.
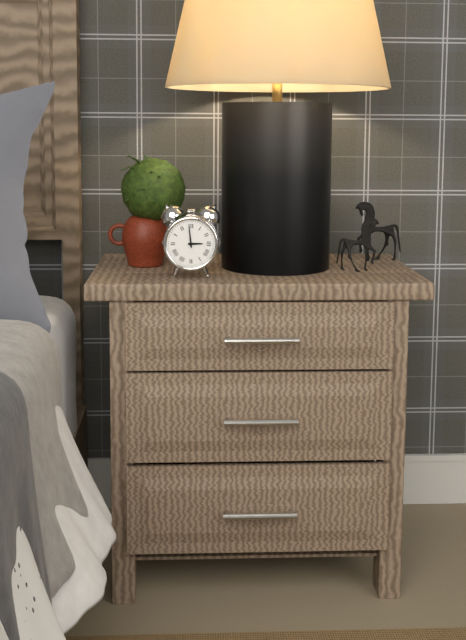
{"hour": 2, "minute": 59}
